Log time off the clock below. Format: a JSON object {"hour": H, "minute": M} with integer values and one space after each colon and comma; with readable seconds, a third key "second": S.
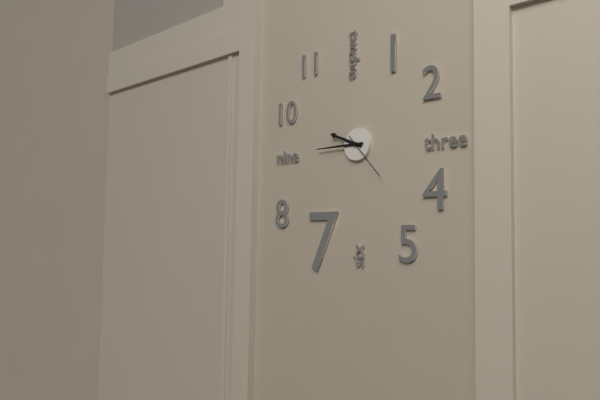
{"hour": 9, "minute": 45}
